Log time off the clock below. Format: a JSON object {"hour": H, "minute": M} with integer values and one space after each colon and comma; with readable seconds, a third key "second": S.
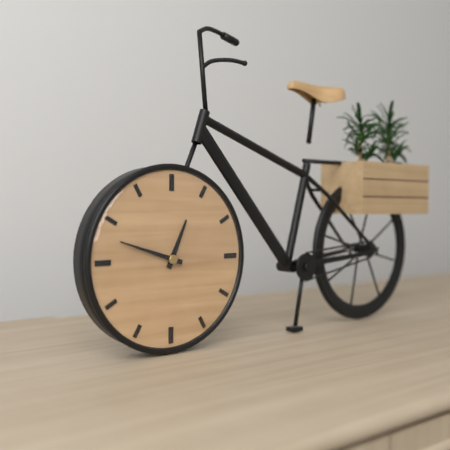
{"hour": 12, "minute": 48}
